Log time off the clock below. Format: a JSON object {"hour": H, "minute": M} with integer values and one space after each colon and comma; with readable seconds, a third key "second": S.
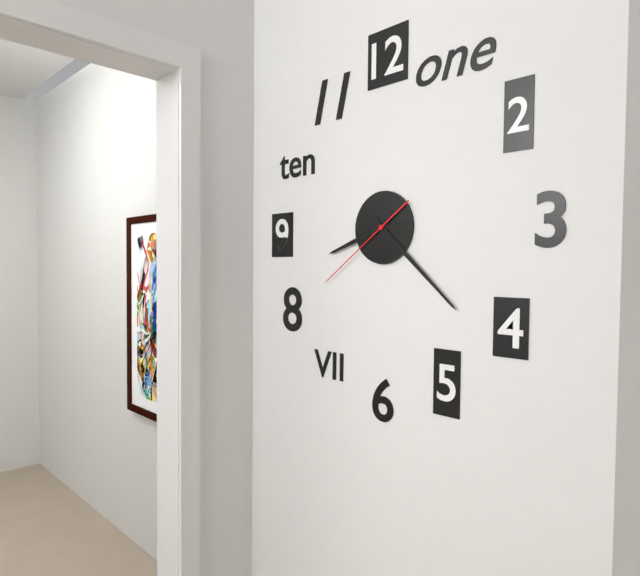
{"hour": 8, "minute": 22, "second": 39}
